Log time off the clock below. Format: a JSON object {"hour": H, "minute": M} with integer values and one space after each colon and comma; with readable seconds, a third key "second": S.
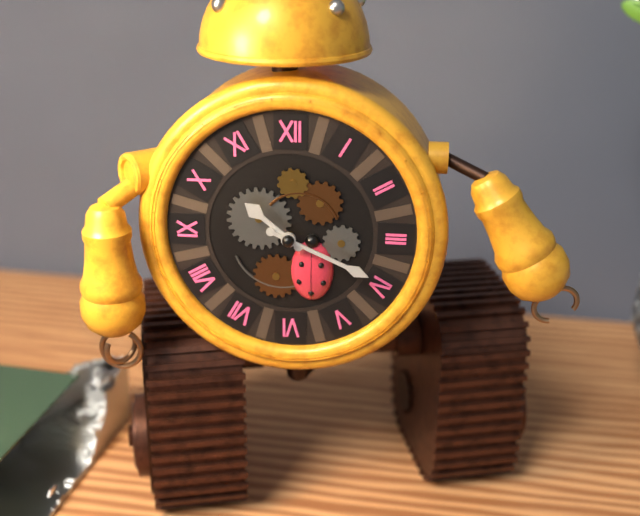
{"hour": 10, "minute": 19}
